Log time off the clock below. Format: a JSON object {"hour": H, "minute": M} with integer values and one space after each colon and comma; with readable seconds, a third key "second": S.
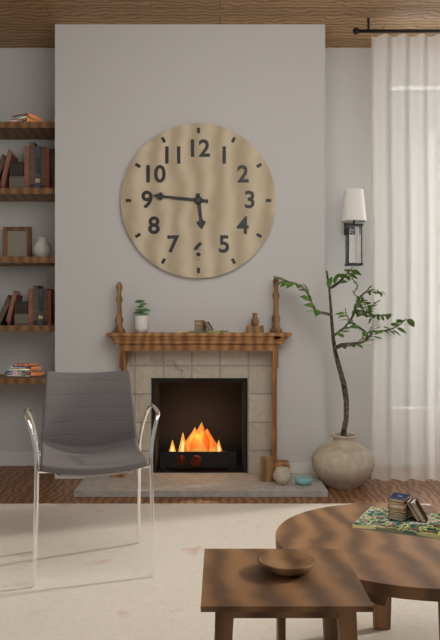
{"hour": 5, "minute": 46}
